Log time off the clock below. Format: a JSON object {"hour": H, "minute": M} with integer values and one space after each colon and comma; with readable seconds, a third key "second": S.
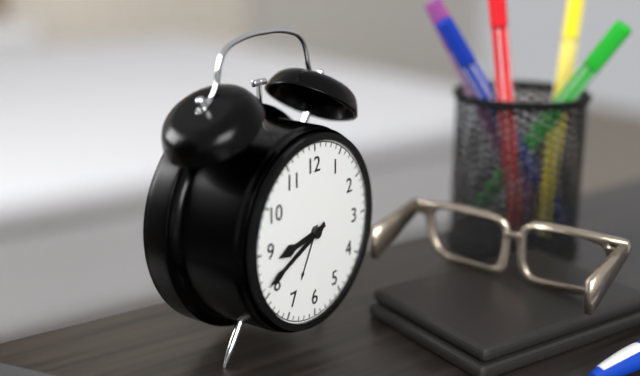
{"hour": 8, "minute": 41}
